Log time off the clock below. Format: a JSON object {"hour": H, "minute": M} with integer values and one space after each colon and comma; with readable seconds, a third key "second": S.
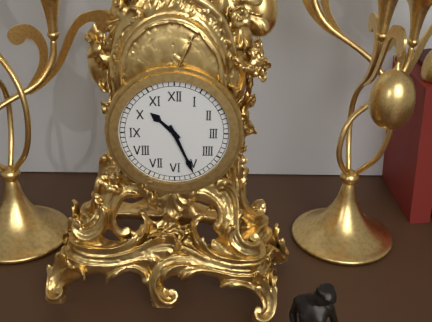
{"hour": 10, "minute": 26}
